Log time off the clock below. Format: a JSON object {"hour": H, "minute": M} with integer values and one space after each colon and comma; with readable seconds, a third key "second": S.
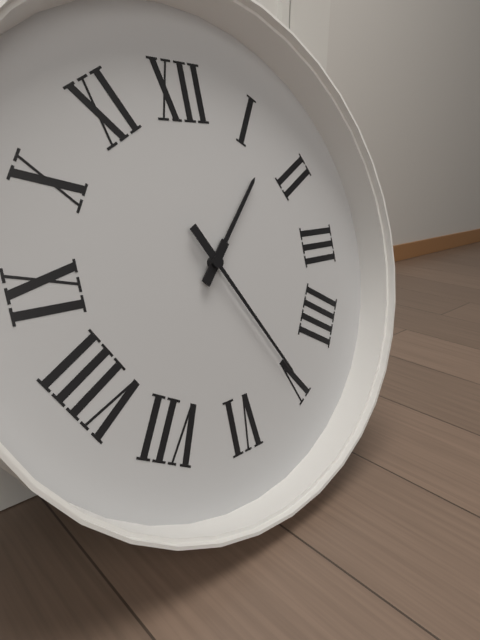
{"hour": 1, "minute": 25}
